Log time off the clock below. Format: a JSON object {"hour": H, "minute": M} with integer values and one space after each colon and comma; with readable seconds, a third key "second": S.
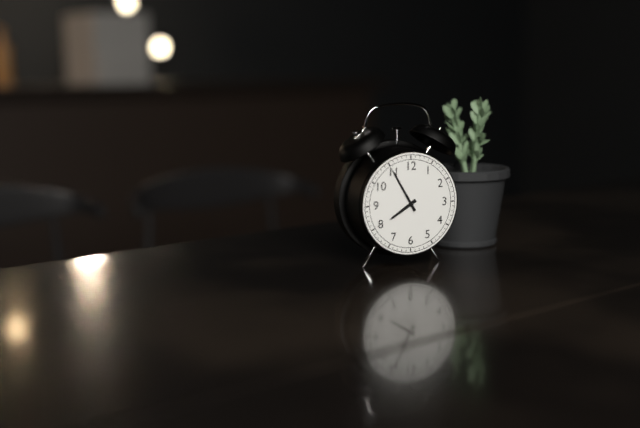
{"hour": 7, "minute": 55}
